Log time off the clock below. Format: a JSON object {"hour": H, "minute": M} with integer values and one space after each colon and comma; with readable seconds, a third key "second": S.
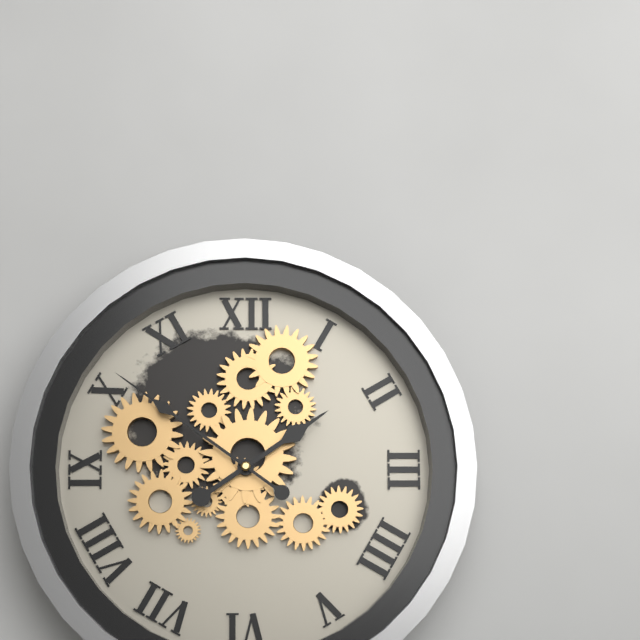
{"hour": 1, "minute": 51}
